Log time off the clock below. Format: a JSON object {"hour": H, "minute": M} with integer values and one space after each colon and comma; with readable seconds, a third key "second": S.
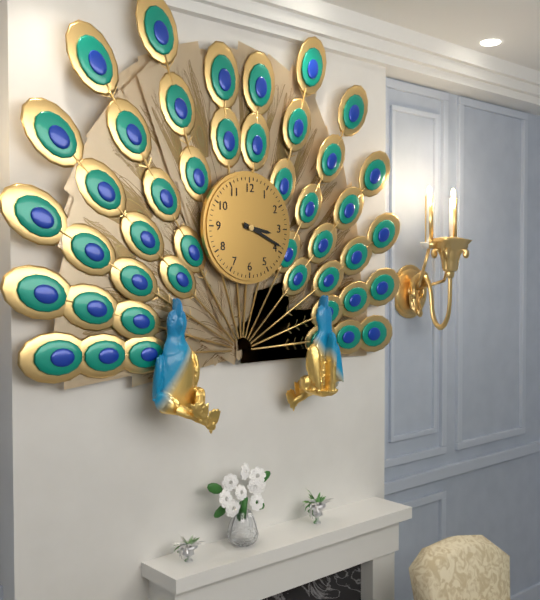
{"hour": 3, "minute": 19}
